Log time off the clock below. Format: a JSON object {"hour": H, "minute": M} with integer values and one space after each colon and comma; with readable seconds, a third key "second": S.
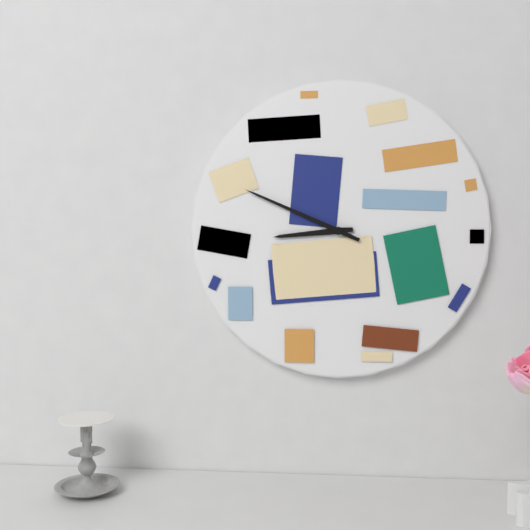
{"hour": 8, "minute": 49}
